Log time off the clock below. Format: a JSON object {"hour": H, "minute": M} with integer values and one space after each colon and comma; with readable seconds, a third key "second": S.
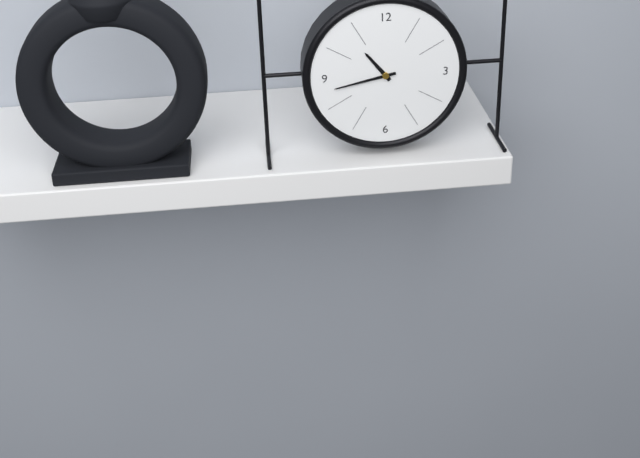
{"hour": 10, "minute": 43}
